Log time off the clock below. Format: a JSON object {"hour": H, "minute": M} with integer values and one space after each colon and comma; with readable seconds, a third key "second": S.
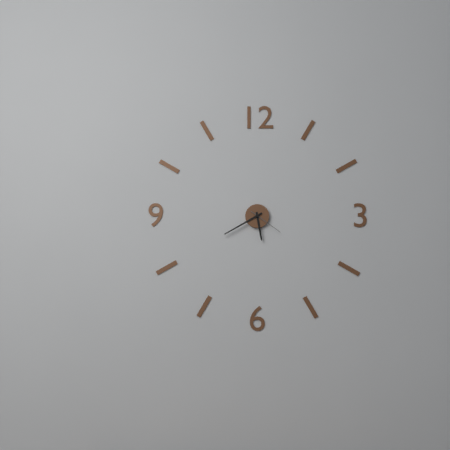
{"hour": 5, "minute": 40}
